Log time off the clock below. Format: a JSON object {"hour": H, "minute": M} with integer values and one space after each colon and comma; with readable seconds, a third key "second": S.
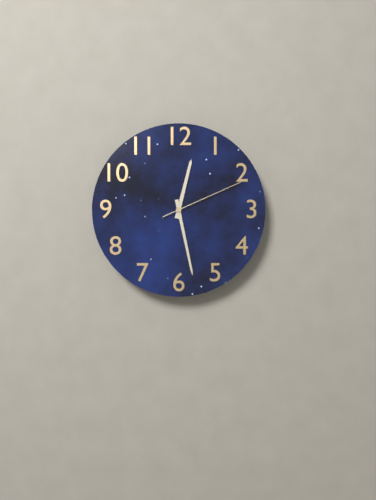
{"hour": 12, "minute": 28, "second": 11}
